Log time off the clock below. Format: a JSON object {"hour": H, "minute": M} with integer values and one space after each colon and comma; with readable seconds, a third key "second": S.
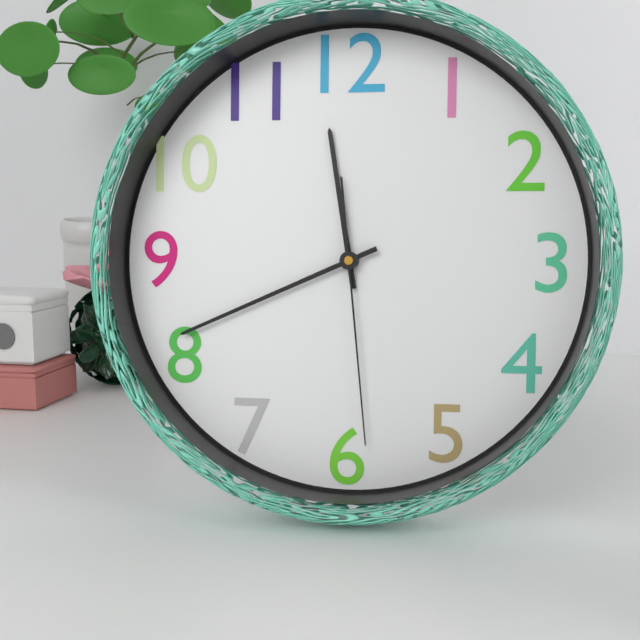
{"hour": 11, "minute": 41, "second": 29}
